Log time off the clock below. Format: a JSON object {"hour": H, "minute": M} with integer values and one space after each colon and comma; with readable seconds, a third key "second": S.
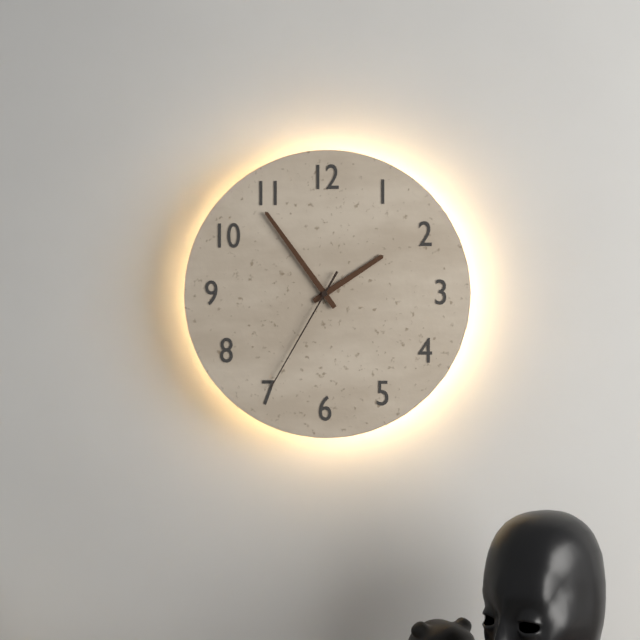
{"hour": 1, "minute": 54, "second": 35}
